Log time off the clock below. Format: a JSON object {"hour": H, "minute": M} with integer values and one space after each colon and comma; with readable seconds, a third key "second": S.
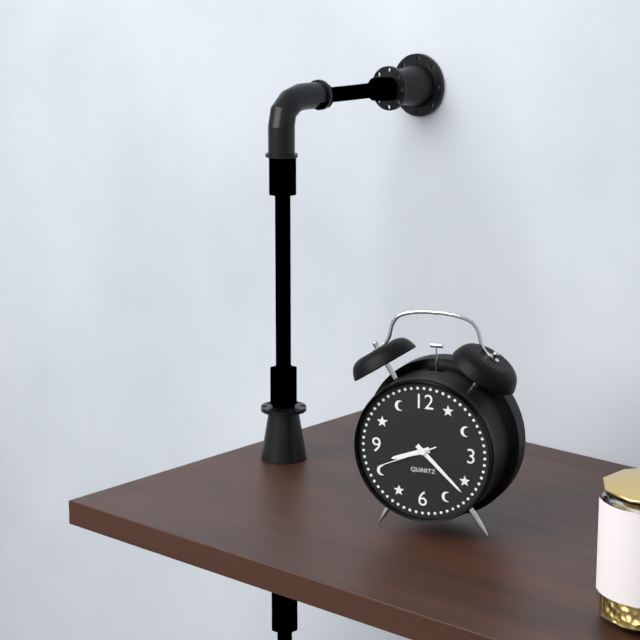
{"hour": 8, "minute": 22, "second": 41}
